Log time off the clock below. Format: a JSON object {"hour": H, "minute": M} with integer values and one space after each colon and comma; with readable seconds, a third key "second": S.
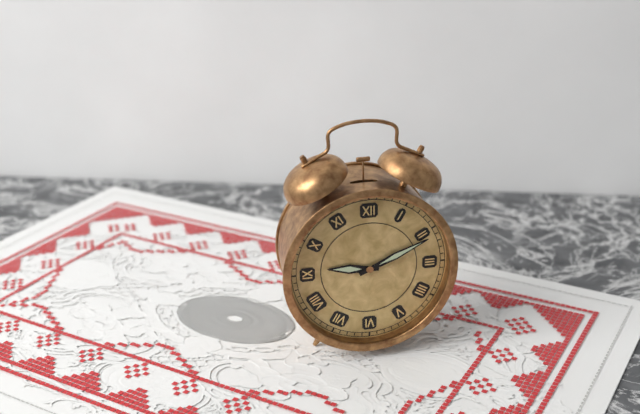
{"hour": 9, "minute": 11}
